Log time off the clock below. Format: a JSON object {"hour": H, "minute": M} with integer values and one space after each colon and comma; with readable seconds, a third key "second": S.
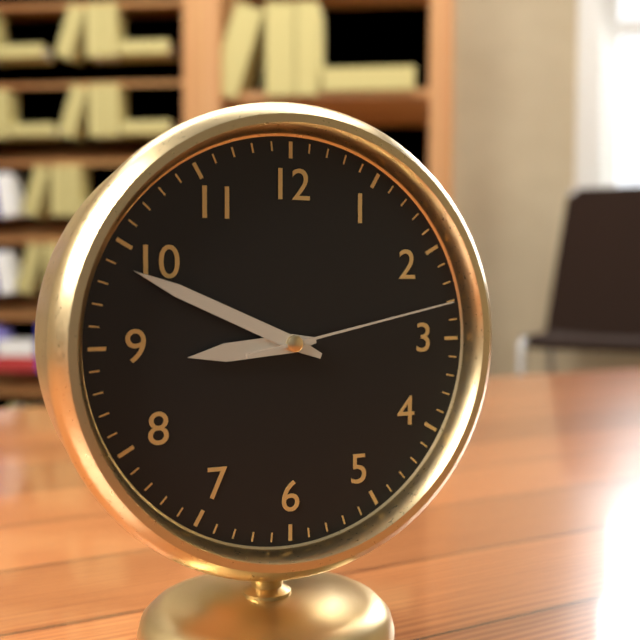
{"hour": 8, "minute": 49, "second": 13}
